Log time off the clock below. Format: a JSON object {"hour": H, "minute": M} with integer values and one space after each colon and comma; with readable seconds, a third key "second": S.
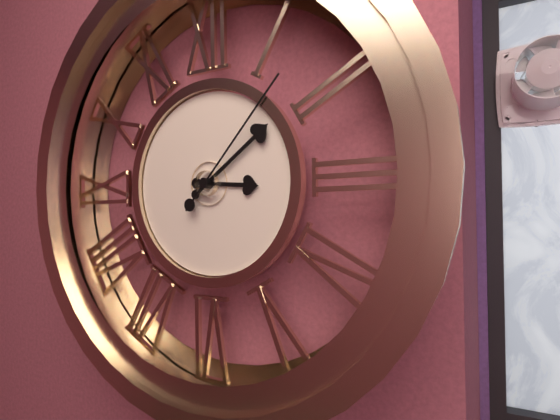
{"hour": 3, "minute": 9, "second": 7}
